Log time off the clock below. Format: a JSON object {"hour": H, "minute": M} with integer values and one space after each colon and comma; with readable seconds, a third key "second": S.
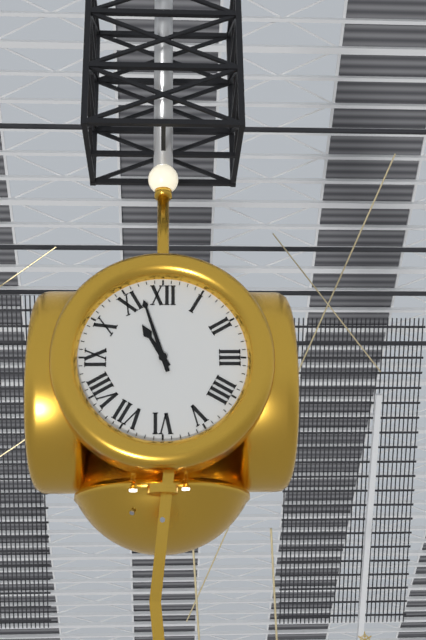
{"hour": 10, "minute": 57}
